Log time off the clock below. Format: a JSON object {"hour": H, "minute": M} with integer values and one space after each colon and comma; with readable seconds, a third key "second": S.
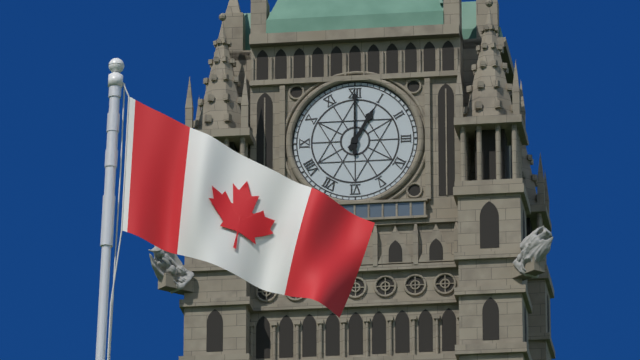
{"hour": 1, "minute": 0}
